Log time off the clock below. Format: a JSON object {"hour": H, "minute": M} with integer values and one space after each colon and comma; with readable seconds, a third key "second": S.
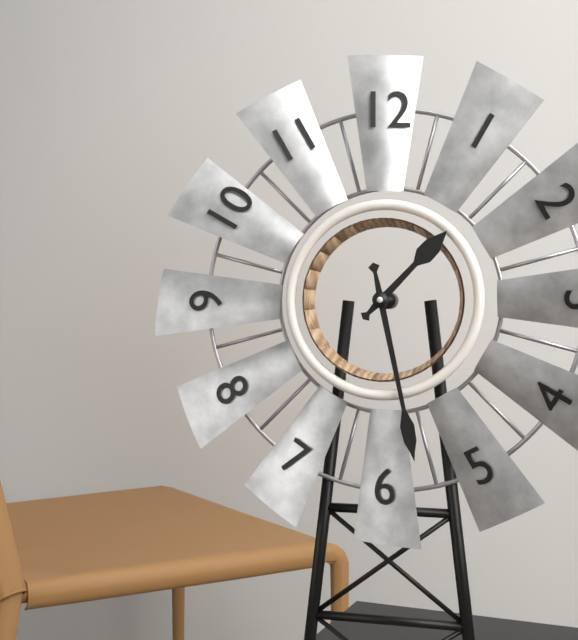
{"hour": 1, "minute": 28}
